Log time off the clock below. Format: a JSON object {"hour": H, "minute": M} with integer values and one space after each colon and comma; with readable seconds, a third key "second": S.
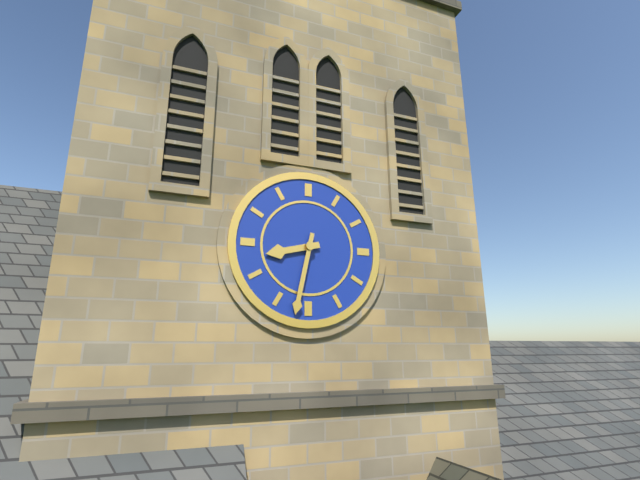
{"hour": 8, "minute": 32}
